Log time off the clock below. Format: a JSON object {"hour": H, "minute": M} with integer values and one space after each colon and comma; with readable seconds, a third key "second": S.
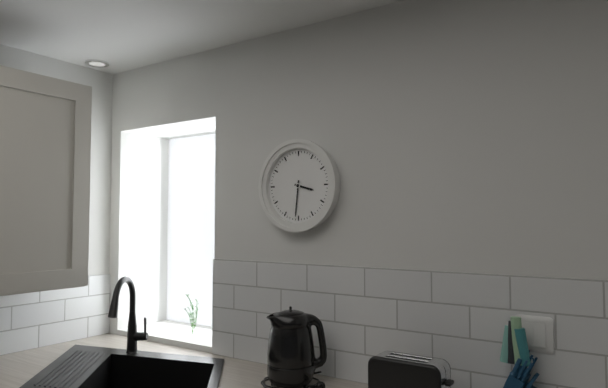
{"hour": 3, "minute": 31}
